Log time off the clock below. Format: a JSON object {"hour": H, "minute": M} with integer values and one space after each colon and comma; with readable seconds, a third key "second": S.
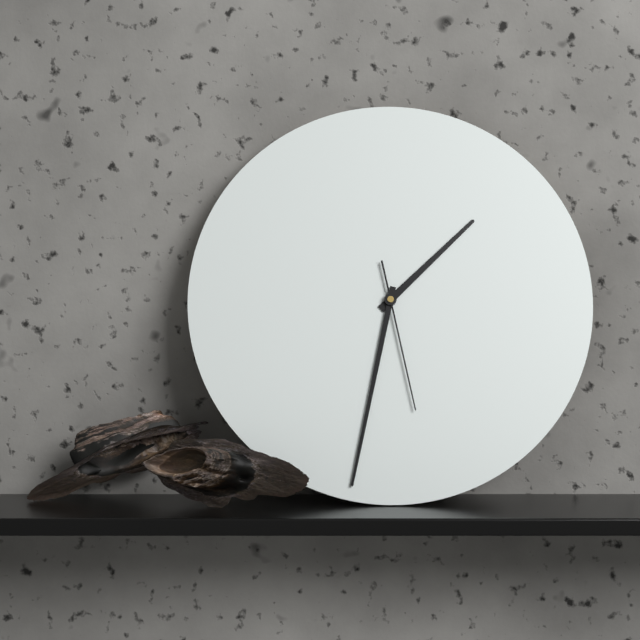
{"hour": 1, "minute": 32, "second": 28}
